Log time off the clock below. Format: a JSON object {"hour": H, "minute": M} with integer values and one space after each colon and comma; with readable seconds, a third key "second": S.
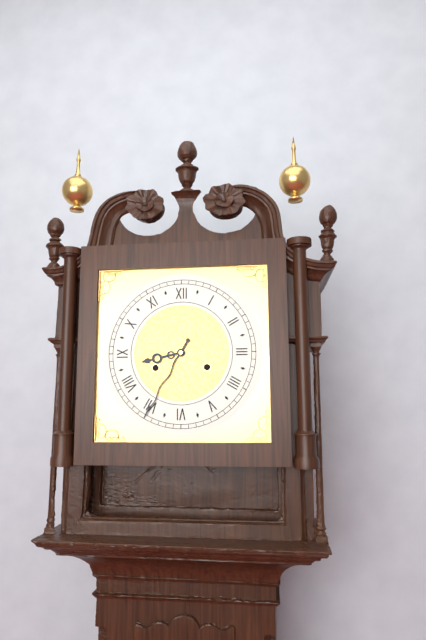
{"hour": 8, "minute": 35}
